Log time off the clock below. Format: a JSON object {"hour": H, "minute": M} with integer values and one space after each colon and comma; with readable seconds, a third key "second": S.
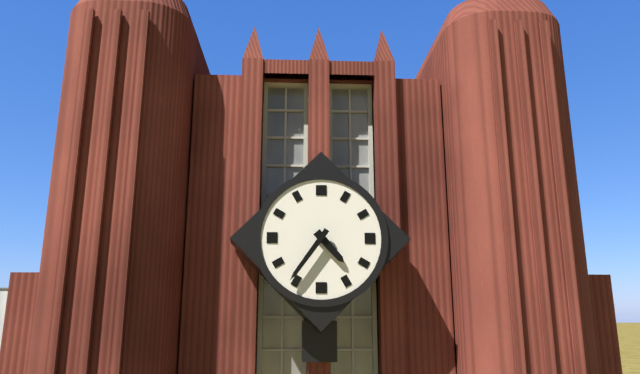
{"hour": 4, "minute": 36}
